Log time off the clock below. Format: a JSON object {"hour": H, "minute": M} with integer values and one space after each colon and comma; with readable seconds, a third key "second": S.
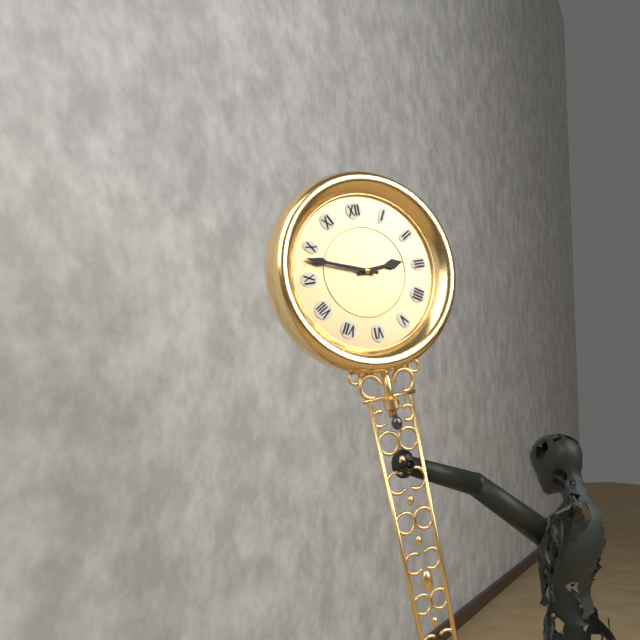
{"hour": 2, "minute": 48}
